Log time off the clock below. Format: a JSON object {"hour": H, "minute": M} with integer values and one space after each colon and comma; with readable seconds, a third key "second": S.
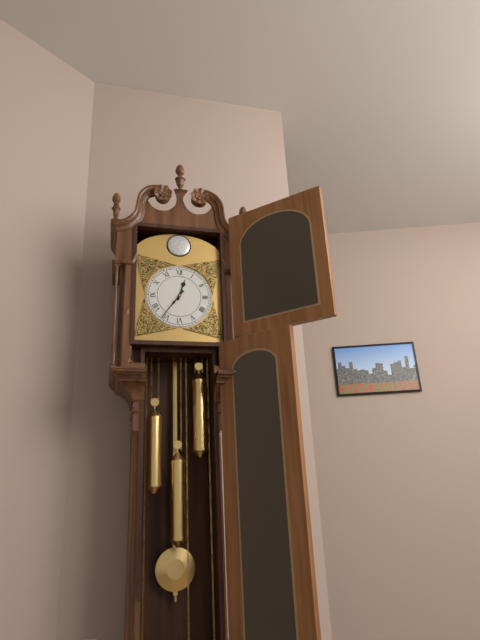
{"hour": 12, "minute": 36}
